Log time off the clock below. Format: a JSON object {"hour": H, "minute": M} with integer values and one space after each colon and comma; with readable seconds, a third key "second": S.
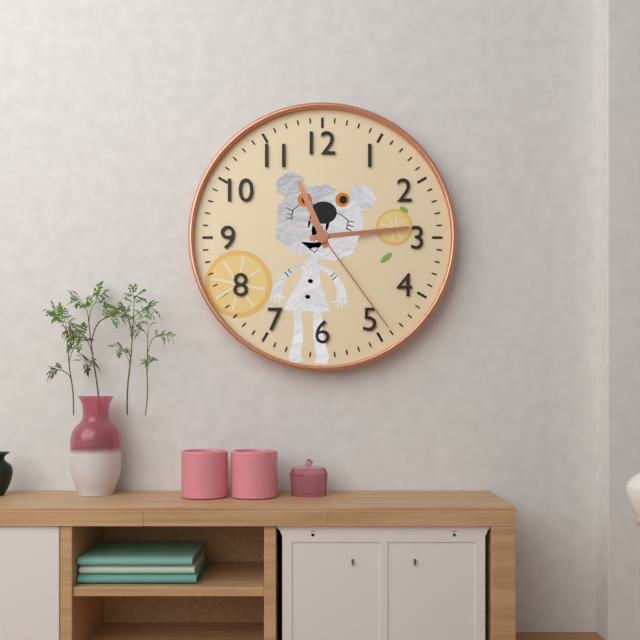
{"hour": 11, "minute": 14, "second": 24}
